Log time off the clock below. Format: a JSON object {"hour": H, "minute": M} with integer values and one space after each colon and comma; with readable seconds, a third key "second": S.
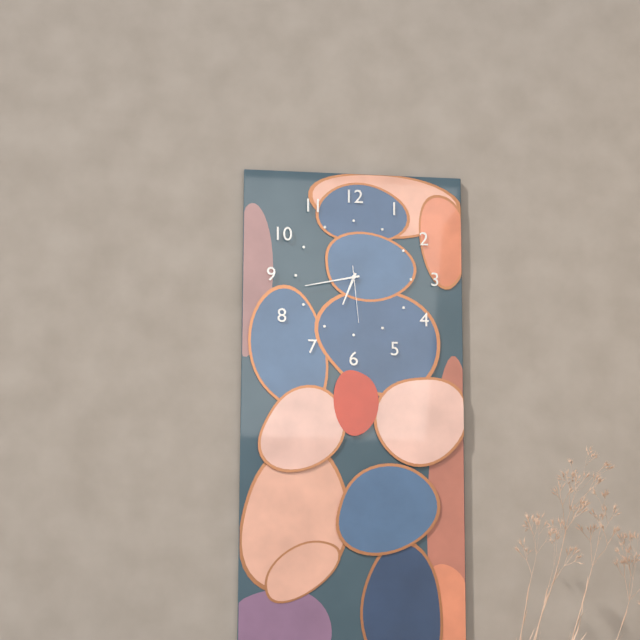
{"hour": 6, "minute": 43, "second": 29}
